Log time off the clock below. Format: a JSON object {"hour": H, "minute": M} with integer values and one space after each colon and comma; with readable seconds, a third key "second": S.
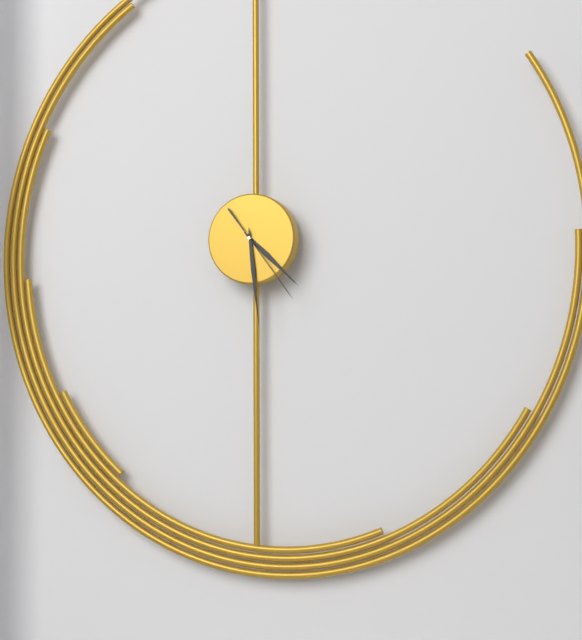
{"hour": 4, "minute": 29, "second": 24}
